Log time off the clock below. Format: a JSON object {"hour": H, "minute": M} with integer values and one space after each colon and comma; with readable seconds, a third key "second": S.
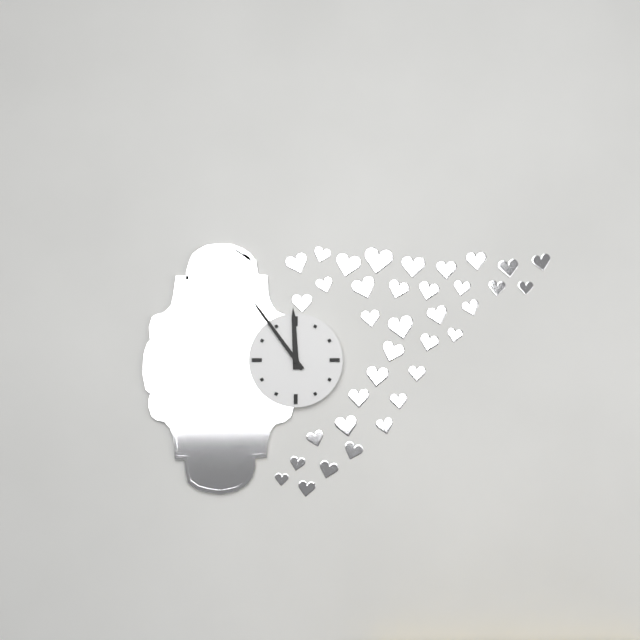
{"hour": 11, "minute": 54}
